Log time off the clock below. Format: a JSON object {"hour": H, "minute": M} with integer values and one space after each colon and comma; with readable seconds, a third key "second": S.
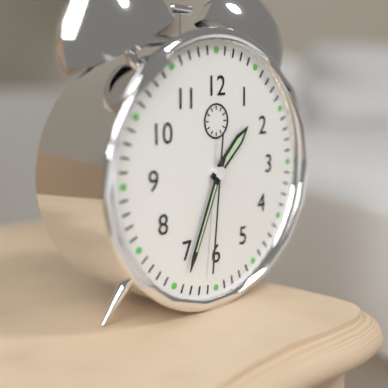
{"hour": 1, "minute": 34, "second": 31}
